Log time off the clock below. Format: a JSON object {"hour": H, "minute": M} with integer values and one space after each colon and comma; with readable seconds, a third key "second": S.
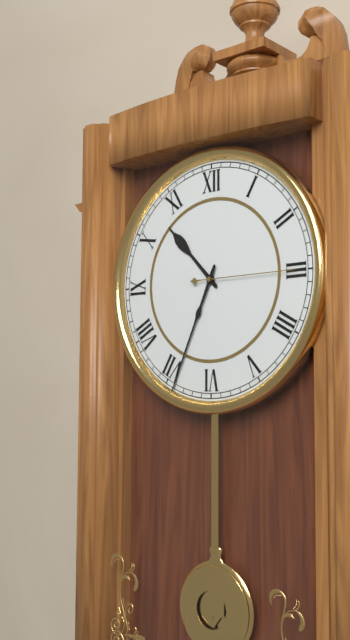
{"hour": 10, "minute": 34, "second": 15}
